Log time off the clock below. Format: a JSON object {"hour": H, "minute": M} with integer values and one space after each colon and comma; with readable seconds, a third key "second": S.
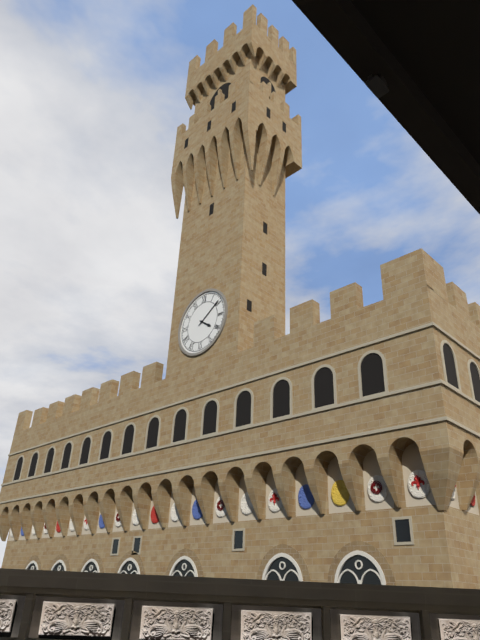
{"hour": 4, "minute": 9}
